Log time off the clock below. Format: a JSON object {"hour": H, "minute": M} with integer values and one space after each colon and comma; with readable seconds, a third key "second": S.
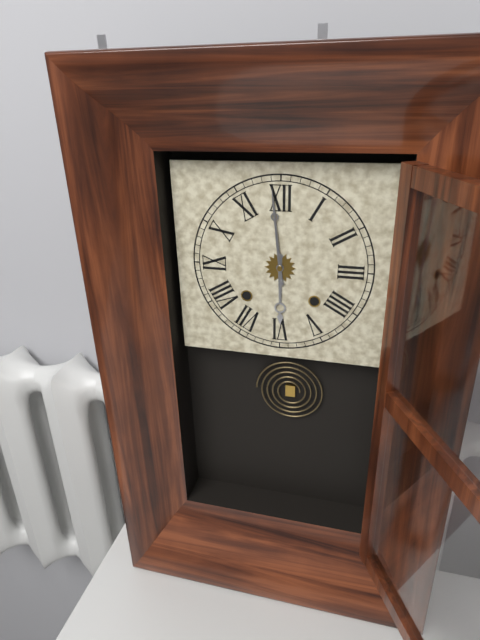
{"hour": 5, "minute": 59}
